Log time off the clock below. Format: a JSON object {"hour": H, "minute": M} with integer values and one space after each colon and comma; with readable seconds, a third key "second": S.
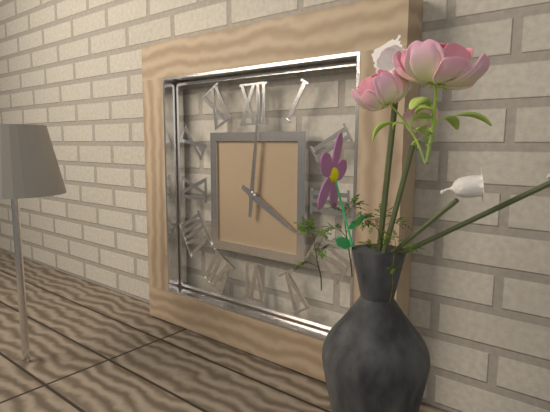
{"hour": 4, "minute": 1}
